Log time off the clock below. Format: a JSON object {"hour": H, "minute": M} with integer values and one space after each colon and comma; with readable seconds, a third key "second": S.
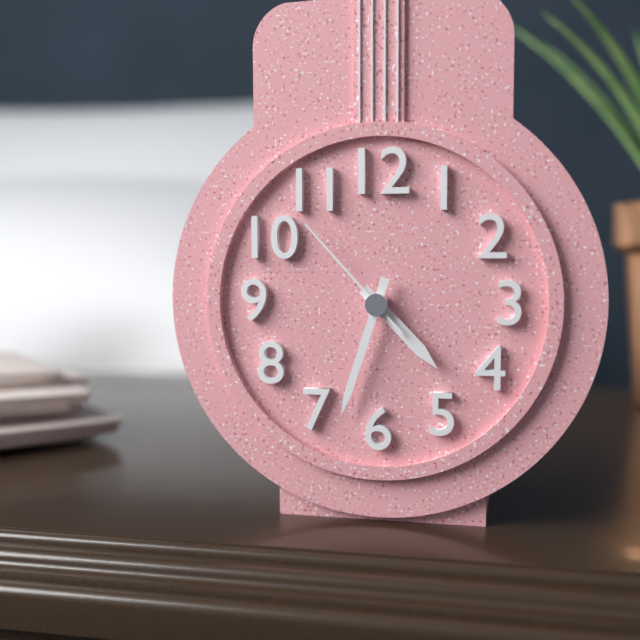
{"hour": 4, "minute": 33, "second": 53}
